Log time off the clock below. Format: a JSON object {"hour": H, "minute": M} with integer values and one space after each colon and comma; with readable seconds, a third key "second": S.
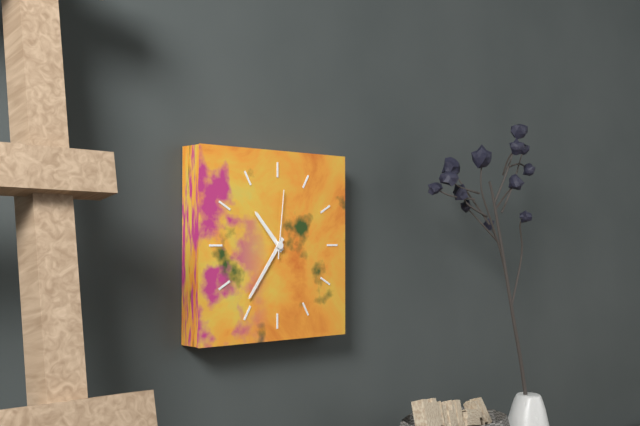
{"hour": 10, "minute": 36, "second": 1}
